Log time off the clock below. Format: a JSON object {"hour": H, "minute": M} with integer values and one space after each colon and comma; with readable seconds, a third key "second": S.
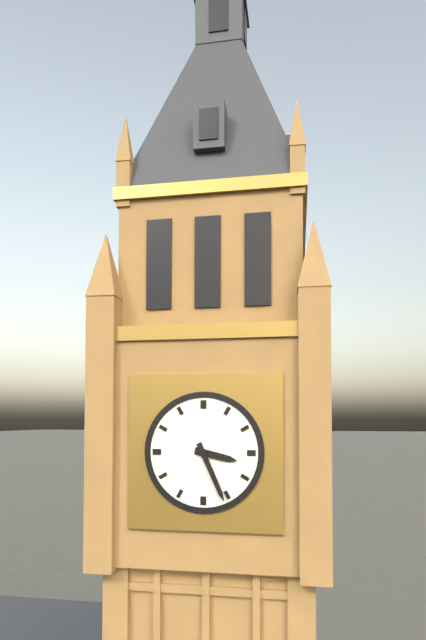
{"hour": 3, "minute": 26}
